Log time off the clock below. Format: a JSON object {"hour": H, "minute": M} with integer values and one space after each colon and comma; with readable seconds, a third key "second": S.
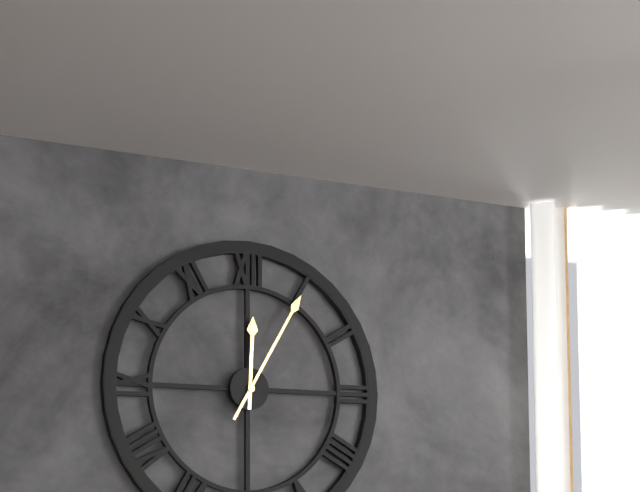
{"hour": 12, "minute": 5}
